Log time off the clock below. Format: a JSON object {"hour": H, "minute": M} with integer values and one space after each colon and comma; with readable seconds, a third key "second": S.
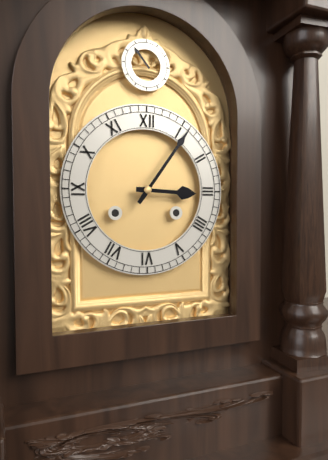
{"hour": 3, "minute": 6}
